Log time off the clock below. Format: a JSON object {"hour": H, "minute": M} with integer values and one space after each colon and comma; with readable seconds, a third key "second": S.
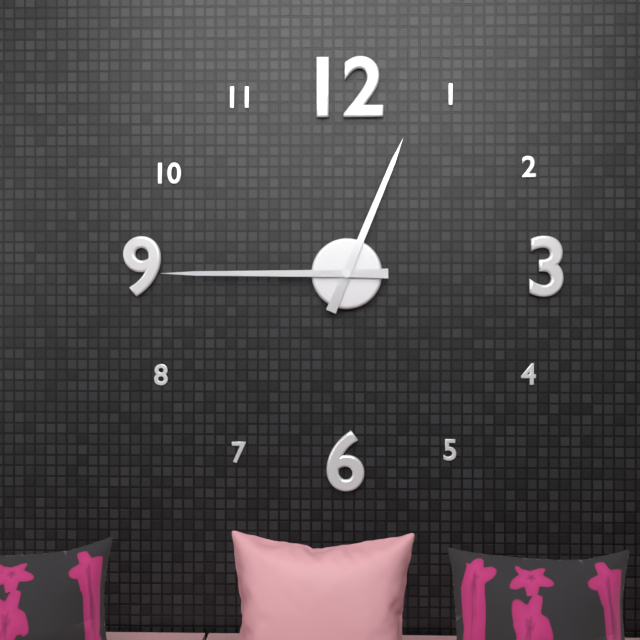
{"hour": 12, "minute": 45}
